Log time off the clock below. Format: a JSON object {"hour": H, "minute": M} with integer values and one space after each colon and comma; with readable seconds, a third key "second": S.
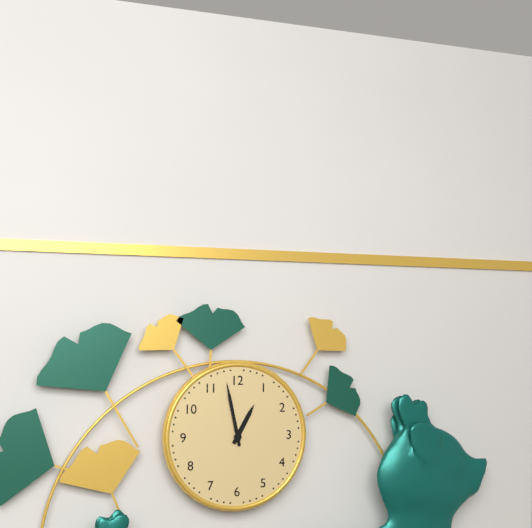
{"hour": 12, "minute": 58}
